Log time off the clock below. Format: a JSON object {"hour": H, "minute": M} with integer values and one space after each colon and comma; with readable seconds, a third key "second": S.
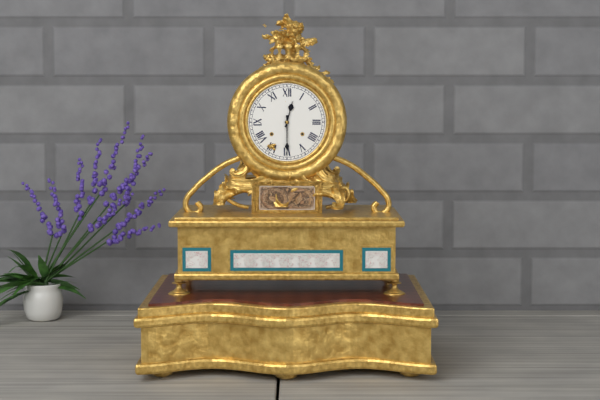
{"hour": 12, "minute": 30}
